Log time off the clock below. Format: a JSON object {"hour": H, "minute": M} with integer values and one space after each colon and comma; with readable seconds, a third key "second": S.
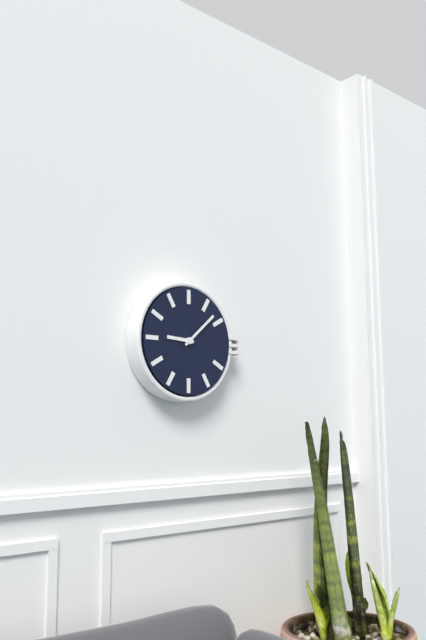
{"hour": 9, "minute": 8}
